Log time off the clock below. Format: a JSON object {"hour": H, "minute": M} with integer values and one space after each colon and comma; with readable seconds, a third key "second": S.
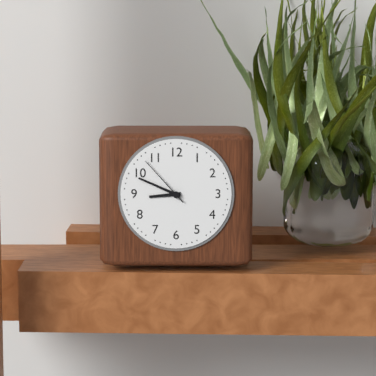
{"hour": 8, "minute": 49, "second": 53}
